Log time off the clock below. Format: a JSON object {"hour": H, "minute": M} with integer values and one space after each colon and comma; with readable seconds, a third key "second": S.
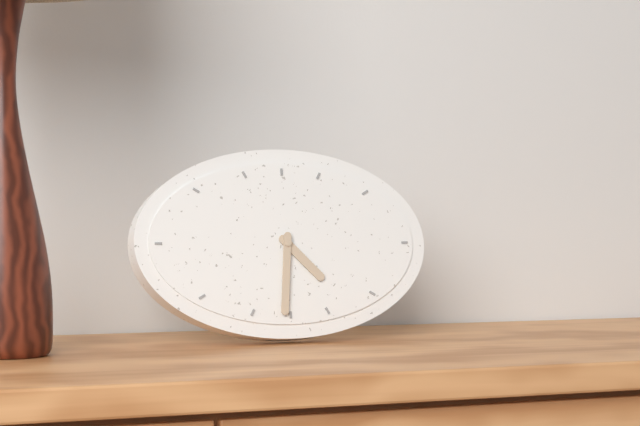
{"hour": 4, "minute": 31}
